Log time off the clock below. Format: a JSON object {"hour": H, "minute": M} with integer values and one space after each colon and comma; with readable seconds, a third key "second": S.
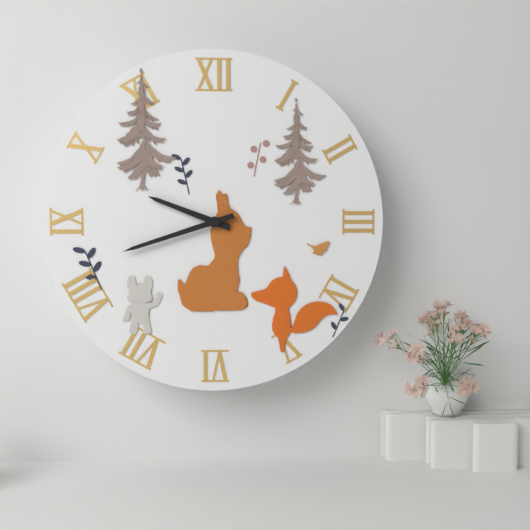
{"hour": 9, "minute": 42}
